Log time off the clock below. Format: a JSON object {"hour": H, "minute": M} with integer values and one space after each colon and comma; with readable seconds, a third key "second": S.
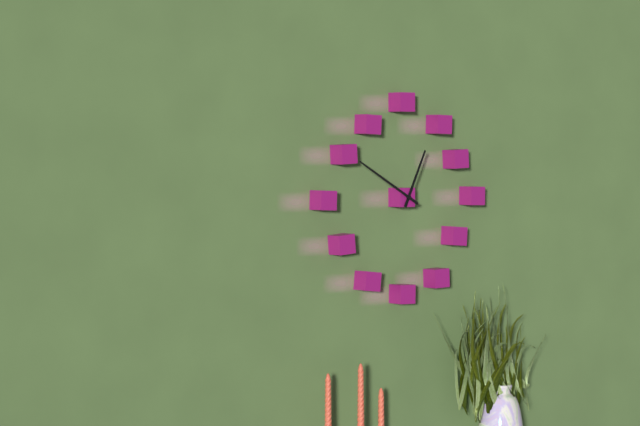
{"hour": 12, "minute": 50}
